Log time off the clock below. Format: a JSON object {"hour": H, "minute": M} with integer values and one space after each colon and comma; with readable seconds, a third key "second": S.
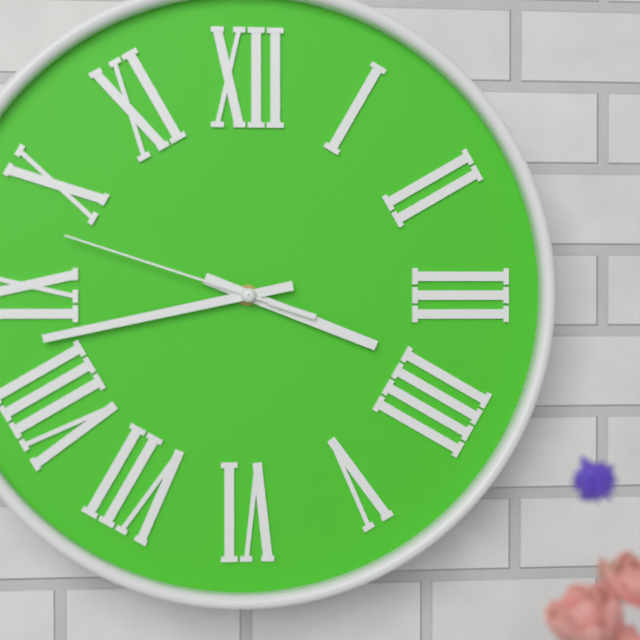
{"hour": 3, "minute": 43, "second": 48}
